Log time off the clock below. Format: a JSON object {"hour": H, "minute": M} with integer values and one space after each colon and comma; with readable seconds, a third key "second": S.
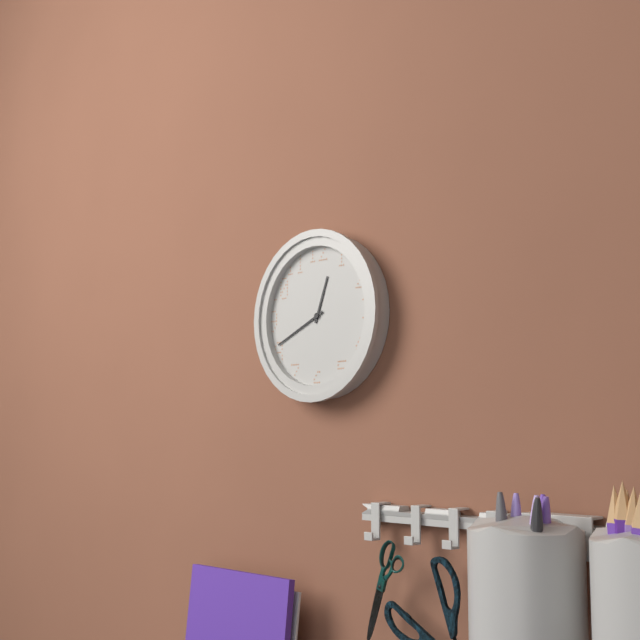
{"hour": 12, "minute": 41}
